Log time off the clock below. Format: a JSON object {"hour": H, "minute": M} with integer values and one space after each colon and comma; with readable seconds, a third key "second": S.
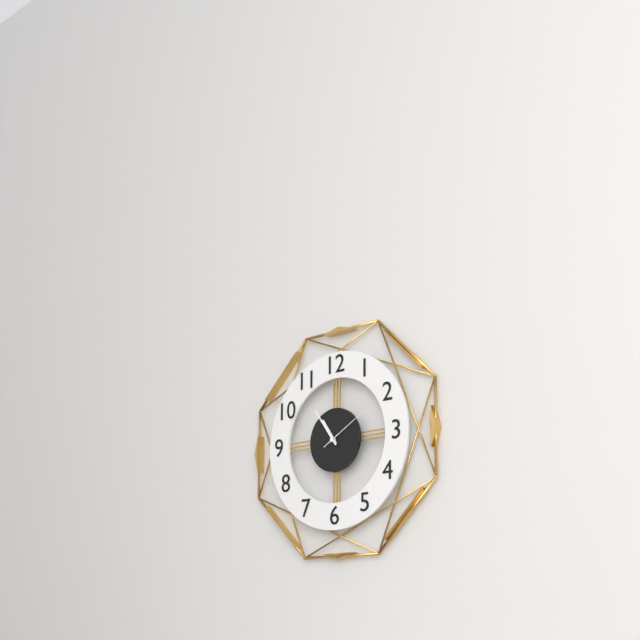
{"hour": 10, "minute": 54}
